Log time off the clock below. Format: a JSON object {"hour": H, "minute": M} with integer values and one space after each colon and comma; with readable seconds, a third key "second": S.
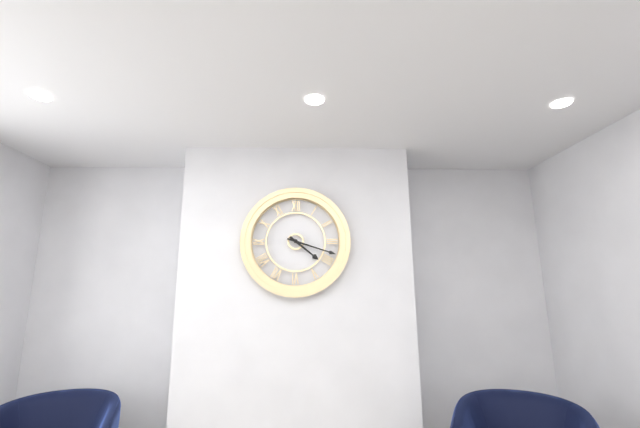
{"hour": 4, "minute": 18}
